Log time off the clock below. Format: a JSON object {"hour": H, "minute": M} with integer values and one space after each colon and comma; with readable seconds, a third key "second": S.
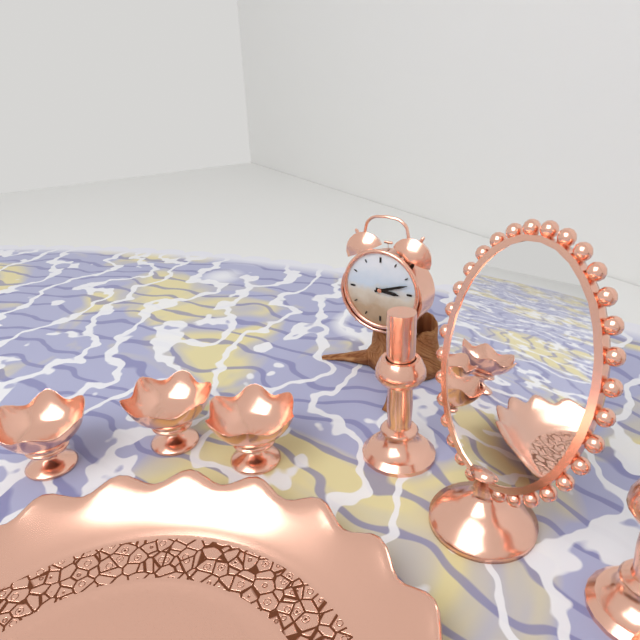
{"hour": 3, "minute": 12}
